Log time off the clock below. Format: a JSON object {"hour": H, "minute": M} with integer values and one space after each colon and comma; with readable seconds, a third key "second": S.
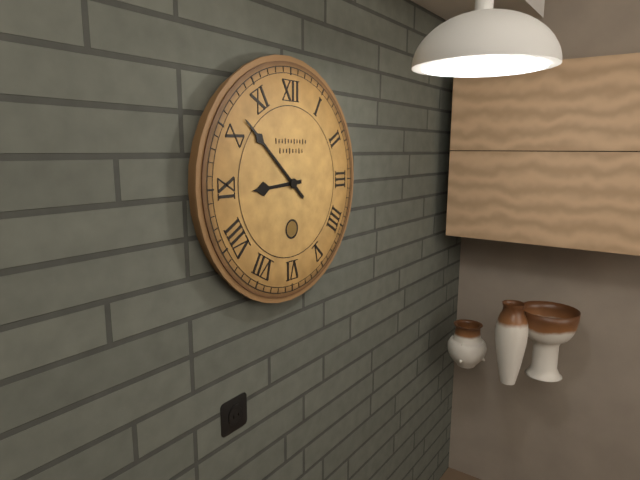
{"hour": 8, "minute": 52}
